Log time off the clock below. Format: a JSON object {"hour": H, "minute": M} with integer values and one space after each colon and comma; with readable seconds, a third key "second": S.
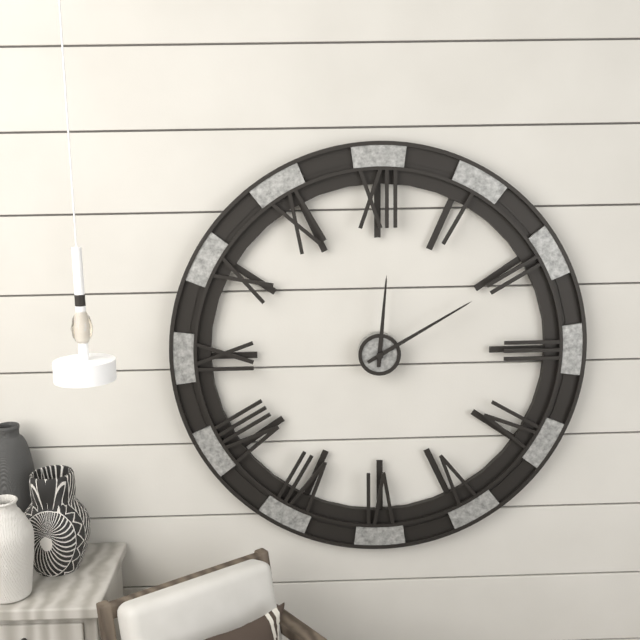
{"hour": 12, "minute": 10}
